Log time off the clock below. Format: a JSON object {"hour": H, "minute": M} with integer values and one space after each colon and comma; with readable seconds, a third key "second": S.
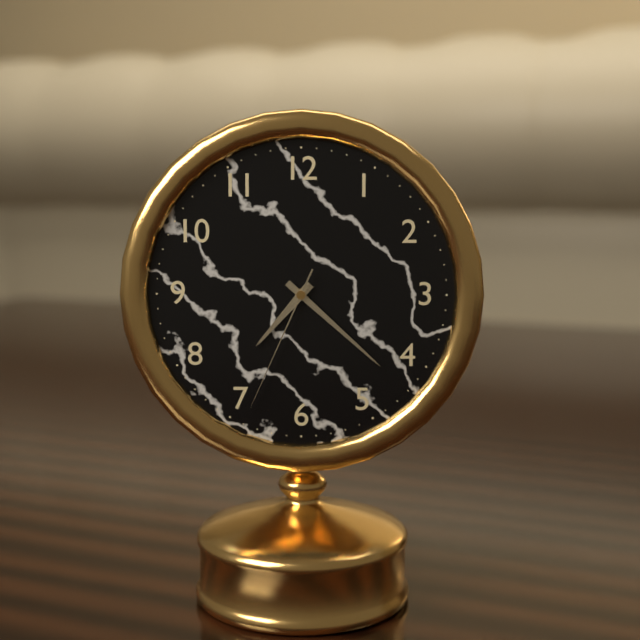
{"hour": 7, "minute": 22, "second": 34}
